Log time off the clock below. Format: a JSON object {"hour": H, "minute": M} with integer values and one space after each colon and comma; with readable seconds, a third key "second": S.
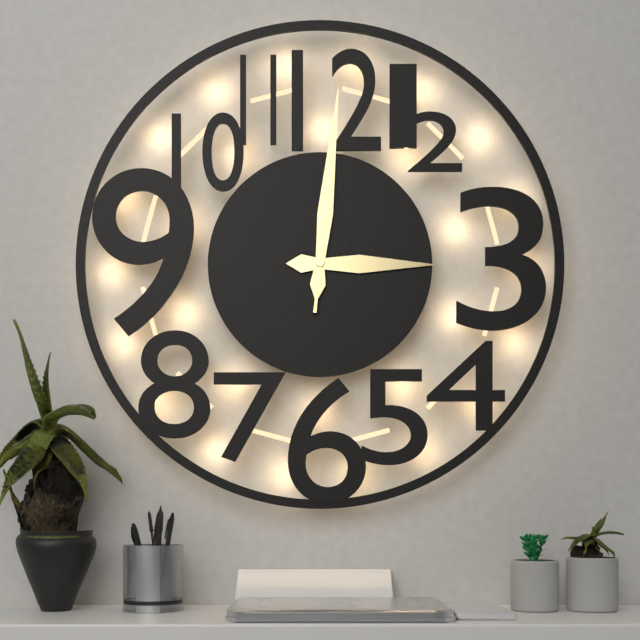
{"hour": 3, "minute": 1, "second": 1}
